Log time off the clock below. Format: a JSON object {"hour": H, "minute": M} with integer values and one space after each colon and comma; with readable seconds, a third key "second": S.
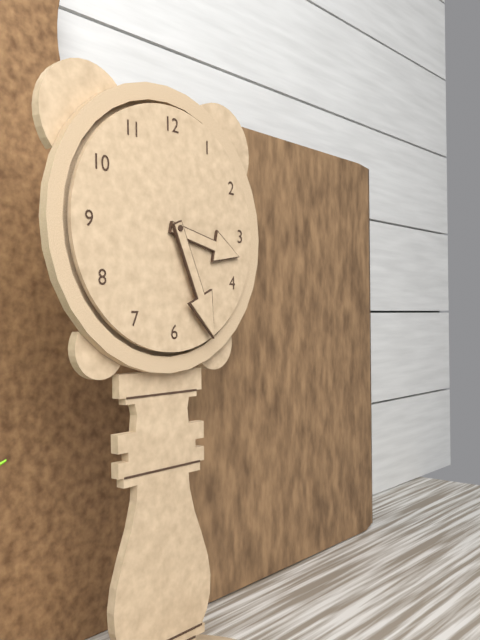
{"hour": 3, "minute": 26}
